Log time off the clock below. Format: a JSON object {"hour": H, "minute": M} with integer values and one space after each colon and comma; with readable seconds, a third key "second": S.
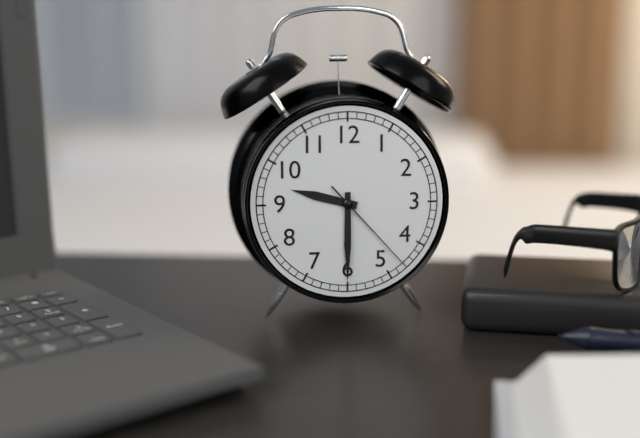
{"hour": 9, "minute": 30, "second": 23}
